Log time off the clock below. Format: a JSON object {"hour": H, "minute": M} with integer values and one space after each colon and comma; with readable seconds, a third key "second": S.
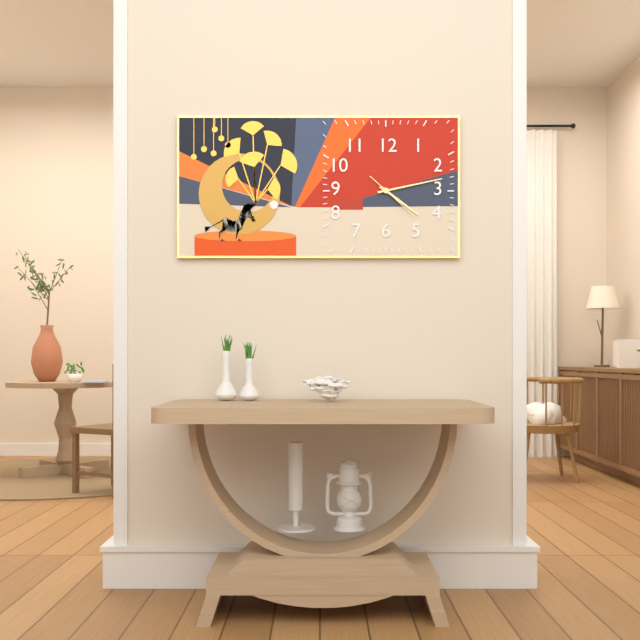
{"hour": 4, "minute": 13}
